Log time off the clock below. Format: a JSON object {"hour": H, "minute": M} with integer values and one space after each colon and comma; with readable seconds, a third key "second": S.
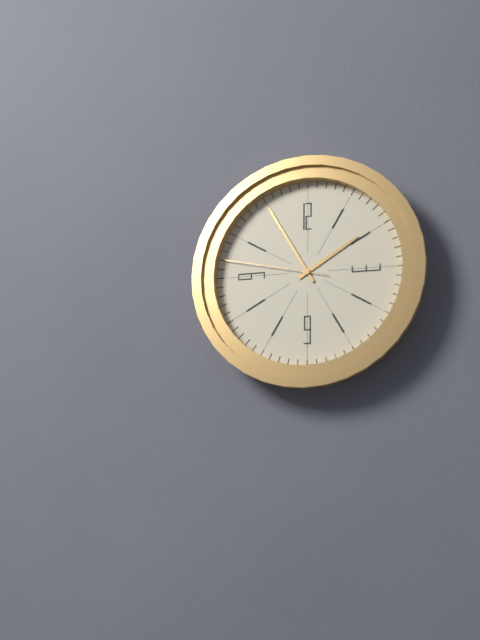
{"hour": 1, "minute": 55, "second": 47}
